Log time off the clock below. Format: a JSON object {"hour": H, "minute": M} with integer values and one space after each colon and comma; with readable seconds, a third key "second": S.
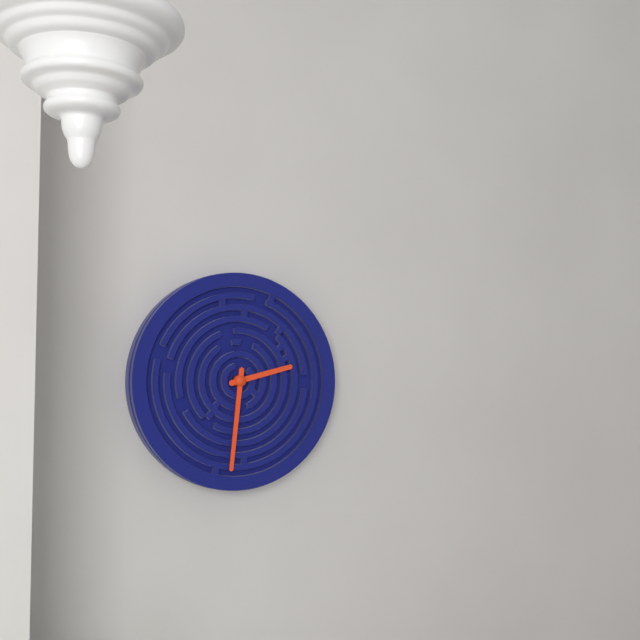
{"hour": 2, "minute": 31}
